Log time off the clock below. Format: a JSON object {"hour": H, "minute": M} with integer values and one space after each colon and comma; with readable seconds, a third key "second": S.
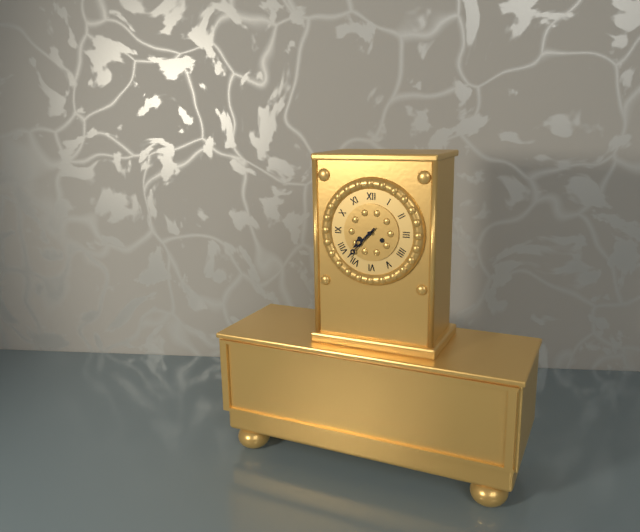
{"hour": 7, "minute": 37}
